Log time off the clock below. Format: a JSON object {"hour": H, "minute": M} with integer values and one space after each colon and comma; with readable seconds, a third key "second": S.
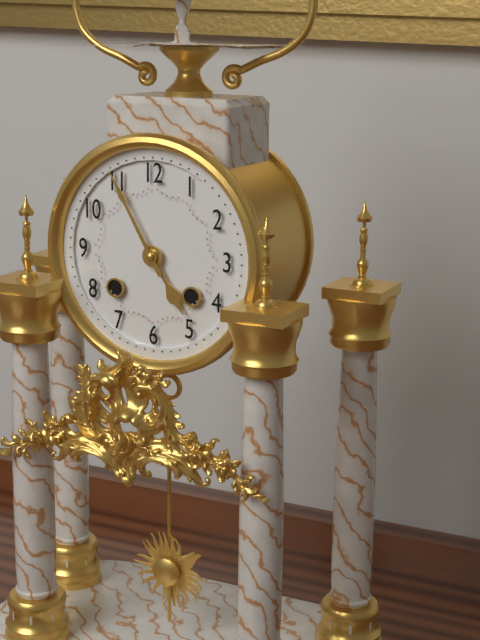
{"hour": 4, "minute": 55}
